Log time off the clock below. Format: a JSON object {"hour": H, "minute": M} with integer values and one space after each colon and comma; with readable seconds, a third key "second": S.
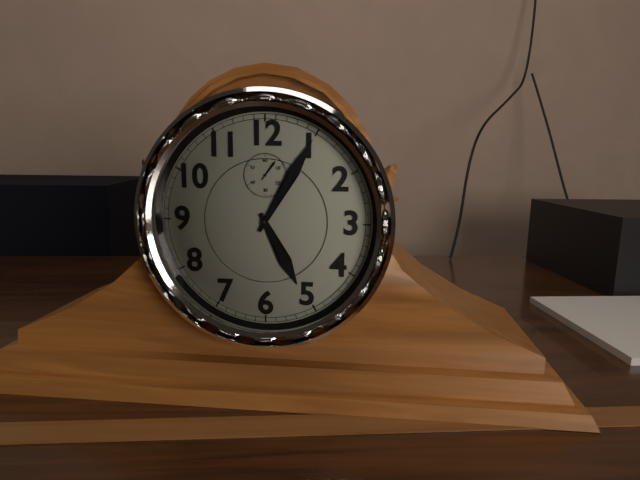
{"hour": 5, "minute": 5}
